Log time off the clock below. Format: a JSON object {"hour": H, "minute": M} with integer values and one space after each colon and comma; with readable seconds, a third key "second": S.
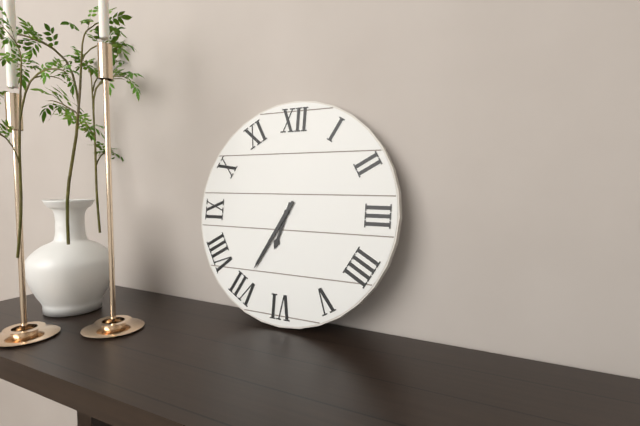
{"hour": 6, "minute": 35}
